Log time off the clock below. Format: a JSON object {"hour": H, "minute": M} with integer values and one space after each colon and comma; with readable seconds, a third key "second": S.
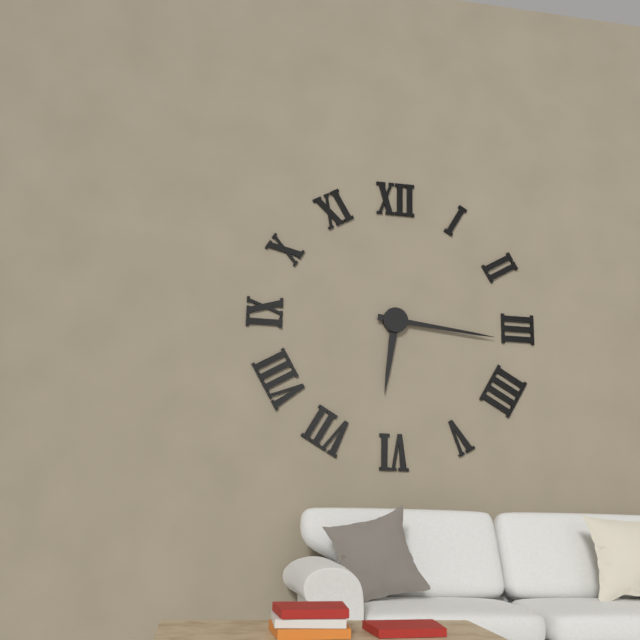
{"hour": 6, "minute": 16}
